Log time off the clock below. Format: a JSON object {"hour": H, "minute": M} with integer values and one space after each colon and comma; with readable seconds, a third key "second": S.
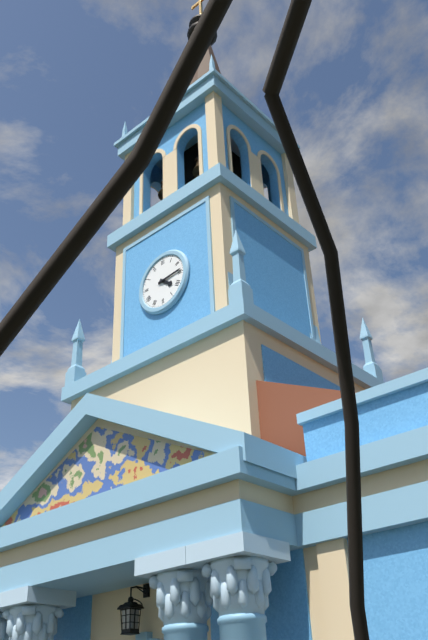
{"hour": 4, "minute": 14}
